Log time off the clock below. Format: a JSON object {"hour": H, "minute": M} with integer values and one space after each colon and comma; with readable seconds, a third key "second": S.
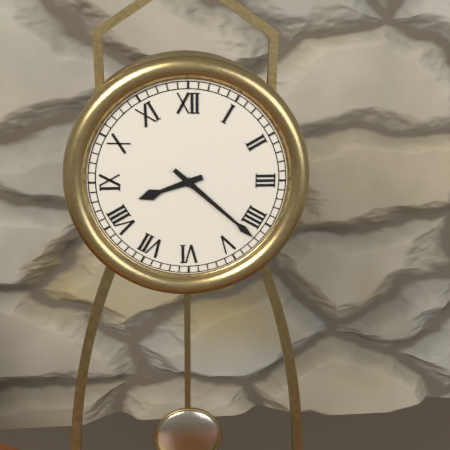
{"hour": 8, "minute": 22}
